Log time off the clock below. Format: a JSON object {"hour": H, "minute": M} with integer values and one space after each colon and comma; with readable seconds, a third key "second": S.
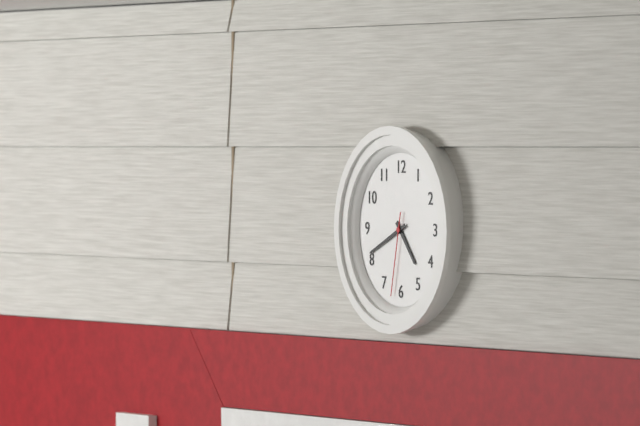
{"hour": 4, "minute": 41, "second": 32}
